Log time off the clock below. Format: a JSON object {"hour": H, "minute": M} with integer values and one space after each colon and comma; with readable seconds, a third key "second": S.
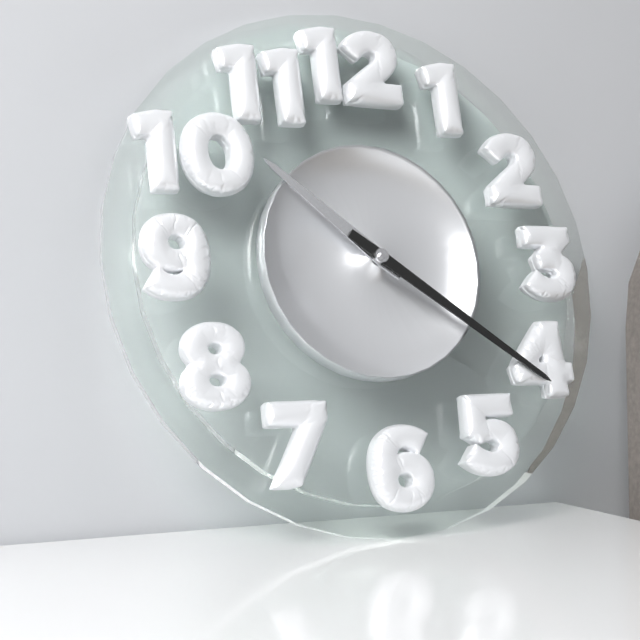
{"hour": 10, "minute": 21}
